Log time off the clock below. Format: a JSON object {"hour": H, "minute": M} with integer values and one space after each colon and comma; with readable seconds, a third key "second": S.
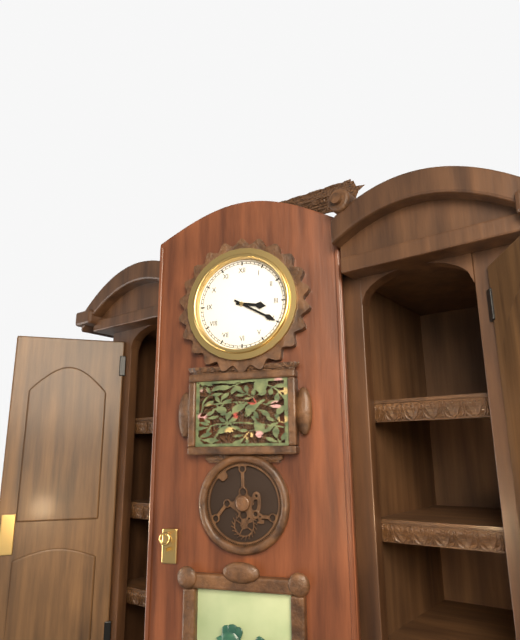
{"hour": 3, "minute": 20}
